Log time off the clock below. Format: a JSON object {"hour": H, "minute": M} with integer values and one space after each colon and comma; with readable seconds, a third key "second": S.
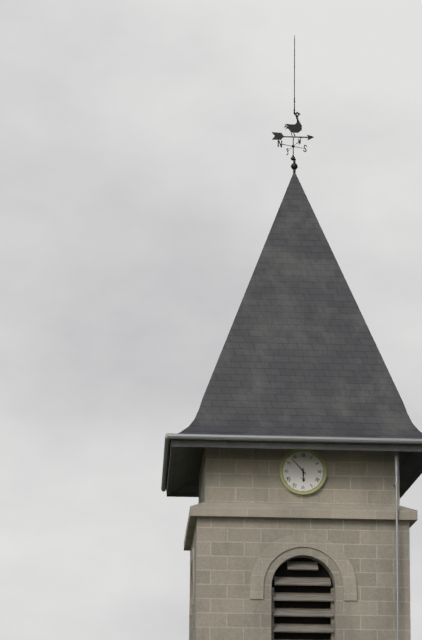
{"hour": 5, "minute": 53}
